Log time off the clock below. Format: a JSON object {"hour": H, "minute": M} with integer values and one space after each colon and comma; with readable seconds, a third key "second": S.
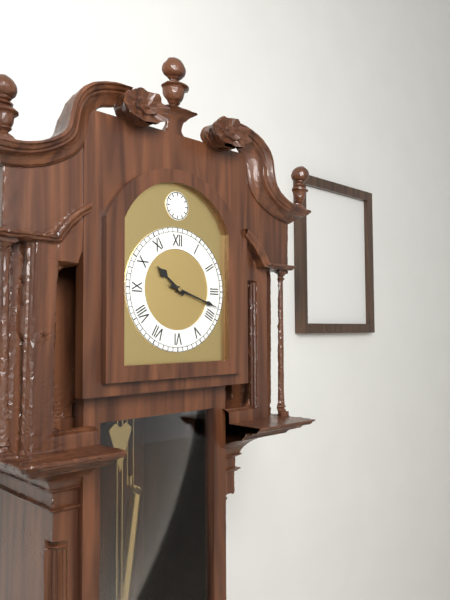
{"hour": 10, "minute": 18}
